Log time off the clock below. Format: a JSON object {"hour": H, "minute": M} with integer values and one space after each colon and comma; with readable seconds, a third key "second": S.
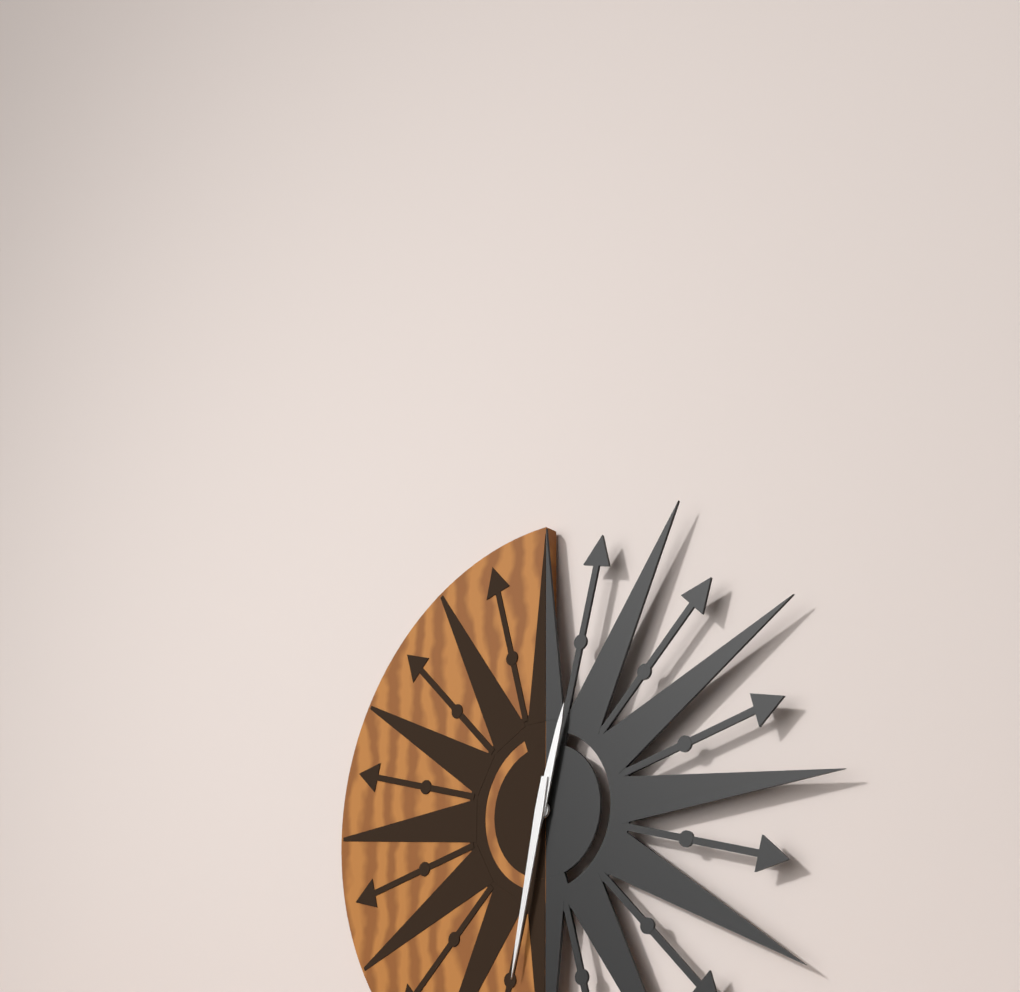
{"hour": 12, "minute": 32}
